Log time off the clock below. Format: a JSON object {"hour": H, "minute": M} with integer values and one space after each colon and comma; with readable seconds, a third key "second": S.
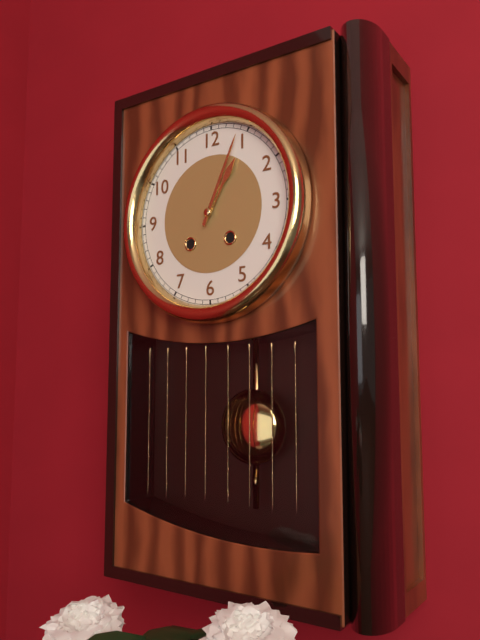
{"hour": 1, "minute": 4}
